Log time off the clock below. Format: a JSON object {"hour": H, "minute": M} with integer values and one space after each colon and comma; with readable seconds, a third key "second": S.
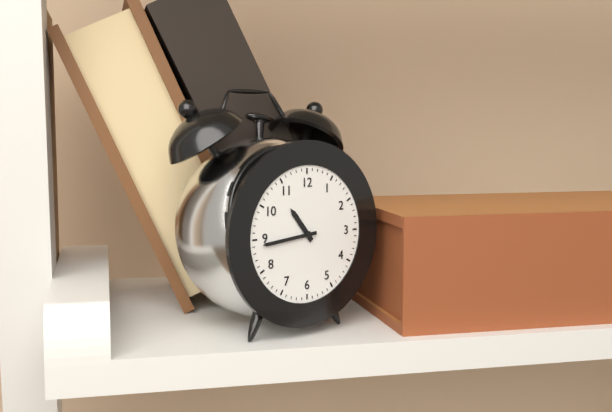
{"hour": 10, "minute": 44}
